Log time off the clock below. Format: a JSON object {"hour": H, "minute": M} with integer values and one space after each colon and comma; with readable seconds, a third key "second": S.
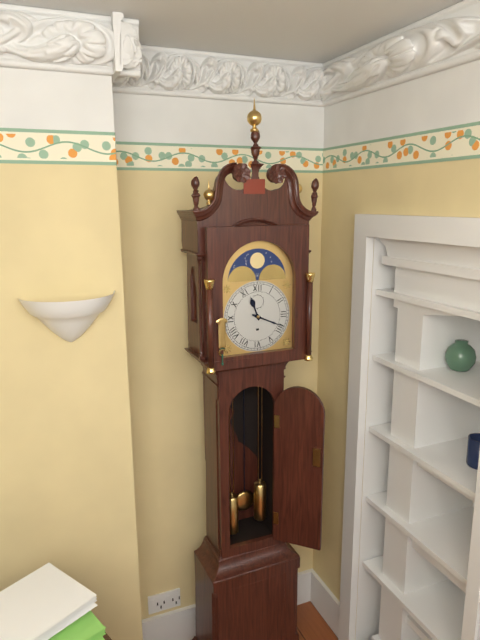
{"hour": 11, "minute": 19}
